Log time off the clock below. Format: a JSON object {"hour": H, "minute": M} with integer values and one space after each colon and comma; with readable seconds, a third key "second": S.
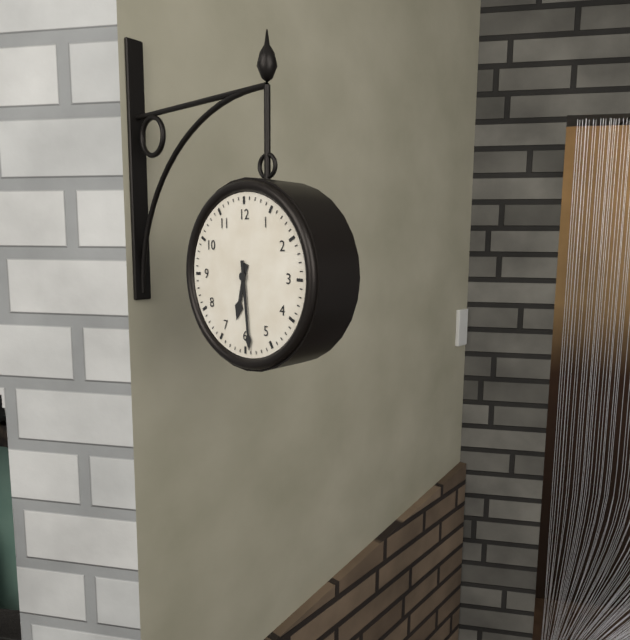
{"hour": 6, "minute": 29}
